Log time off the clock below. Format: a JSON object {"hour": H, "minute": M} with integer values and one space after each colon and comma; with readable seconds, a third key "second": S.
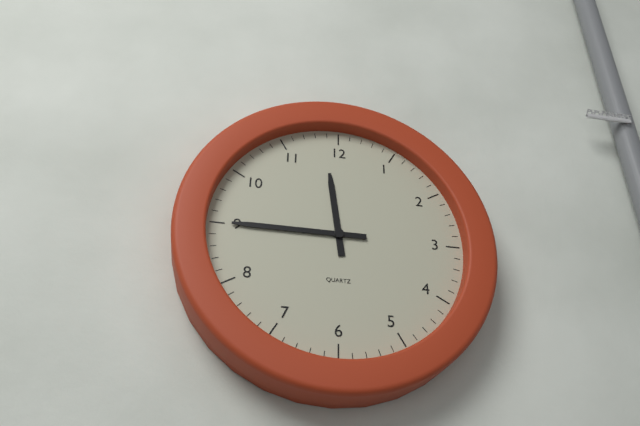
{"hour": 11, "minute": 45}
